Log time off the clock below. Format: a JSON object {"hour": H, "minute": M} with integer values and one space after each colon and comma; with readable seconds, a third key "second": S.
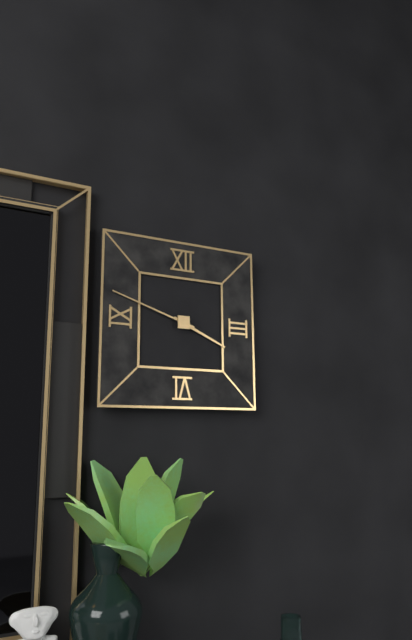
{"hour": 3, "minute": 48}
